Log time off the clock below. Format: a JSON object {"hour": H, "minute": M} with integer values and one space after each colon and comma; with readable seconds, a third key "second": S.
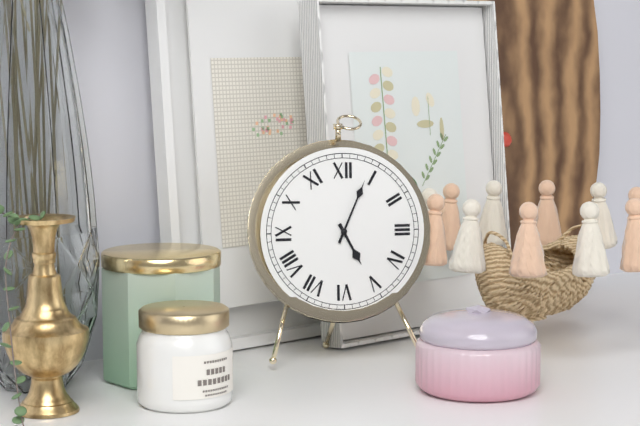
{"hour": 5, "minute": 4}
